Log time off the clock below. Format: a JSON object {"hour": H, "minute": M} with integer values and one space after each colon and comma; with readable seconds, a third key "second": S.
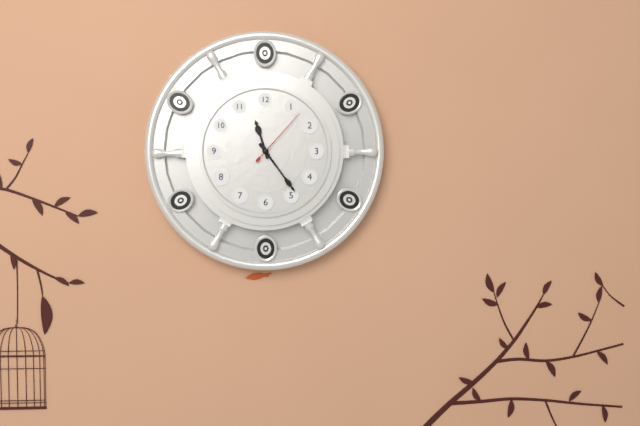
{"hour": 11, "minute": 24, "second": 7}
